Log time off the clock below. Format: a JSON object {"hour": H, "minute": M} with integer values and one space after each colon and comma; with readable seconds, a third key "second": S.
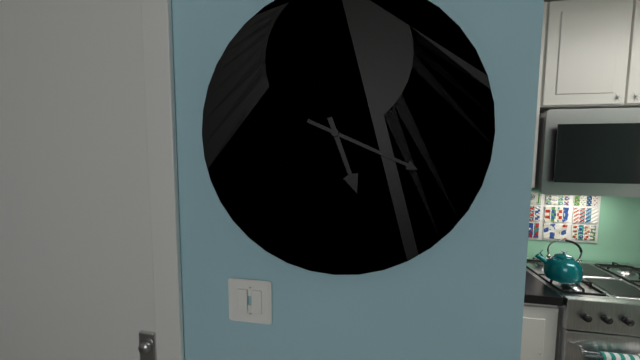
{"hour": 5, "minute": 19}
